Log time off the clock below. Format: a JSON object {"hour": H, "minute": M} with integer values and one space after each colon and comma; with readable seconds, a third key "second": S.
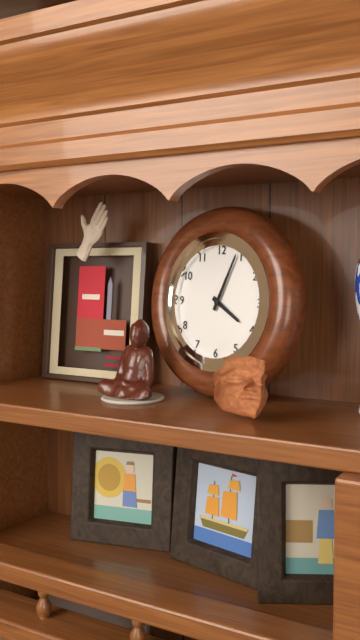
{"hour": 4, "minute": 4}
